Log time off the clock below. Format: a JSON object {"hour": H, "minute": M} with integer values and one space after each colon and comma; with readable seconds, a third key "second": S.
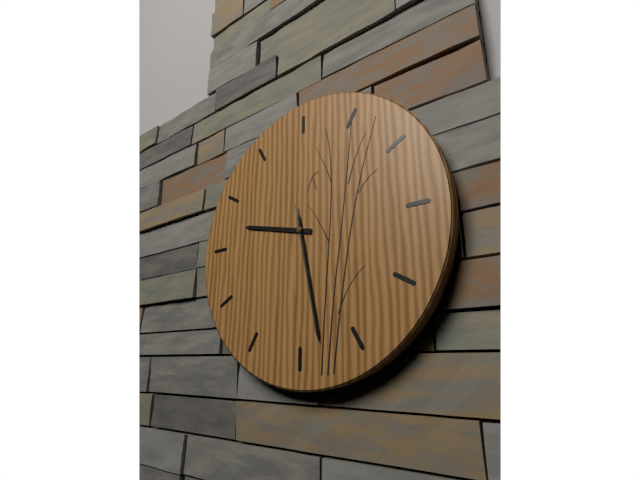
{"hour": 9, "minute": 28, "second": 28}
